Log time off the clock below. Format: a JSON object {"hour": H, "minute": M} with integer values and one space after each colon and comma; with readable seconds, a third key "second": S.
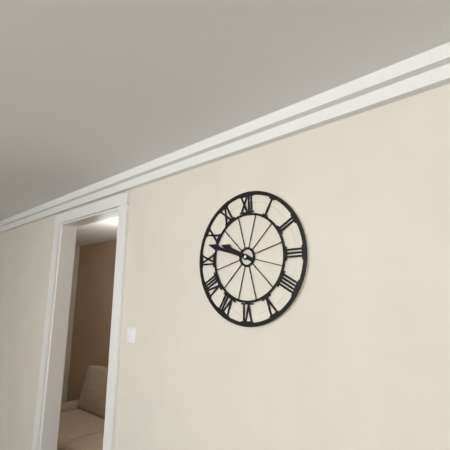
{"hour": 9, "minute": 48}
